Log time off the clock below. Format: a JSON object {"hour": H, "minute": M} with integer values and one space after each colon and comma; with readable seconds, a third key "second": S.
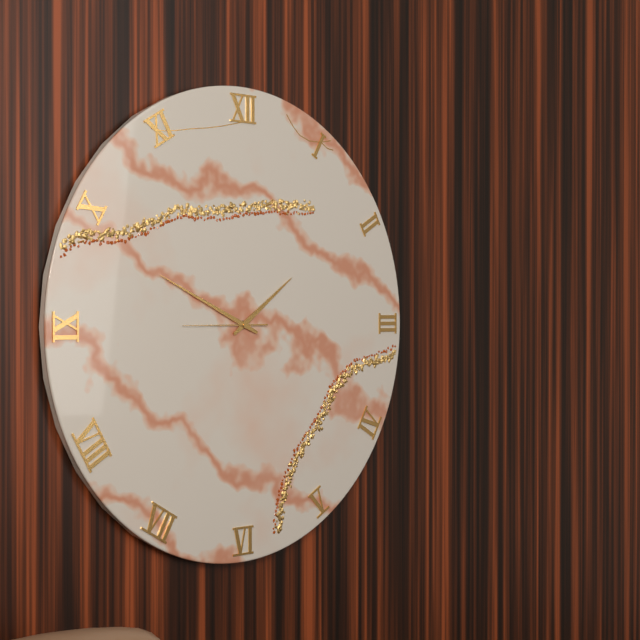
{"hour": 1, "minute": 49, "second": 45}
